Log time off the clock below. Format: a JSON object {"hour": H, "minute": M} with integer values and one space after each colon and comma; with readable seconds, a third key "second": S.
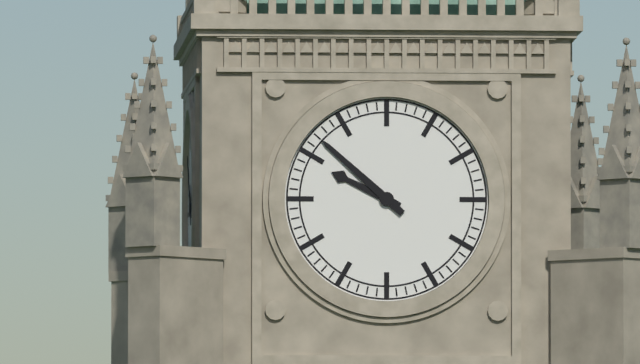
{"hour": 9, "minute": 52}
